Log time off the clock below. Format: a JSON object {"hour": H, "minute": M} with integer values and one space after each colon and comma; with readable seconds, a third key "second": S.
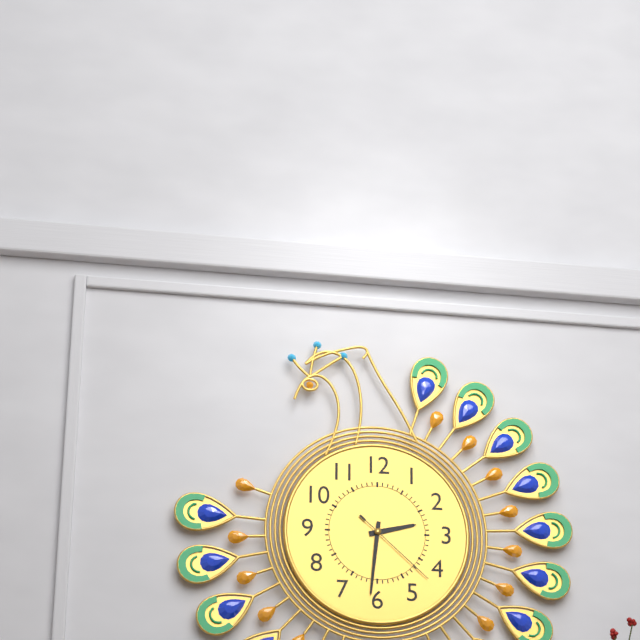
{"hour": 2, "minute": 31, "second": 22}
